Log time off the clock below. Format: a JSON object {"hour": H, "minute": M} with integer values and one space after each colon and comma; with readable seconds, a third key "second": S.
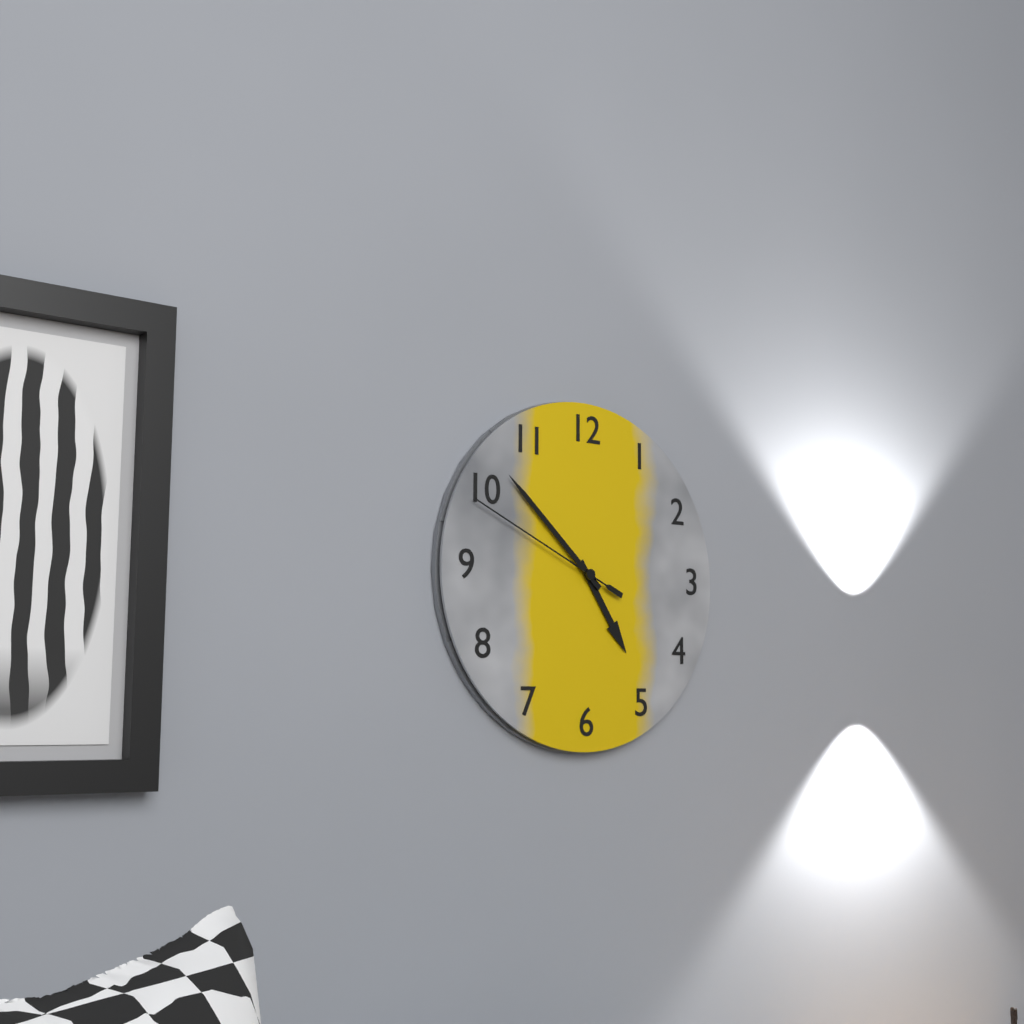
{"hour": 4, "minute": 52, "second": 49}
